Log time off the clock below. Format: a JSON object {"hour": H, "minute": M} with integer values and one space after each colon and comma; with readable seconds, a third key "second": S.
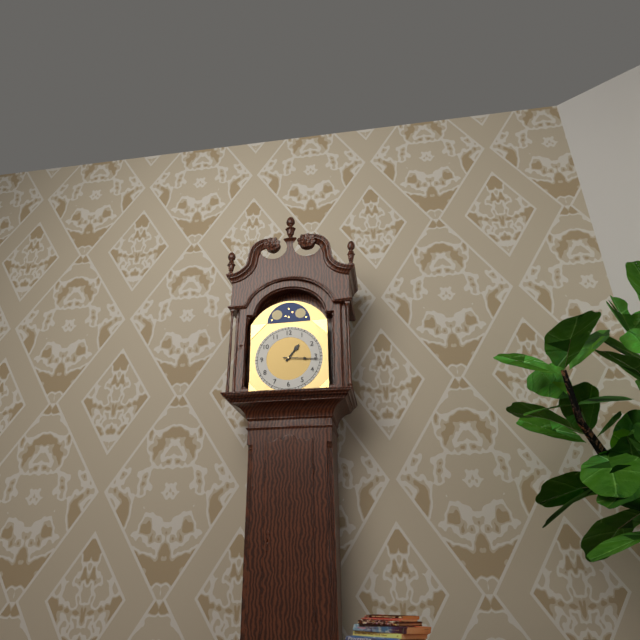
{"hour": 1, "minute": 16}
